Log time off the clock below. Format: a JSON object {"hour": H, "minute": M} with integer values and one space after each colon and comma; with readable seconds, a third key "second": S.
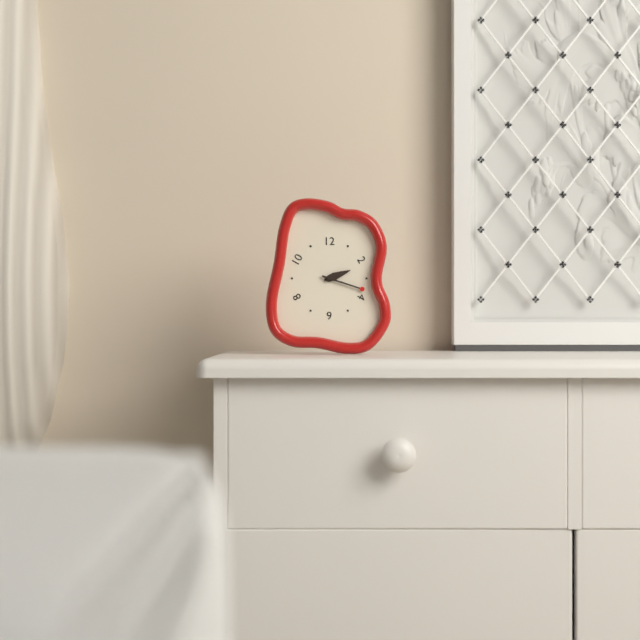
{"hour": 2, "minute": 18}
